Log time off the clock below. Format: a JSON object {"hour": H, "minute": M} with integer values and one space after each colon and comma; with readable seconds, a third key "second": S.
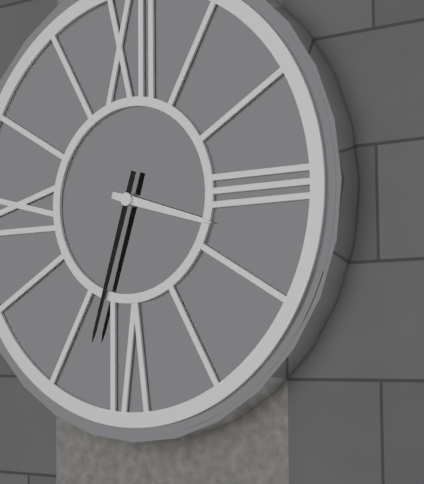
{"hour": 3, "minute": 33}
